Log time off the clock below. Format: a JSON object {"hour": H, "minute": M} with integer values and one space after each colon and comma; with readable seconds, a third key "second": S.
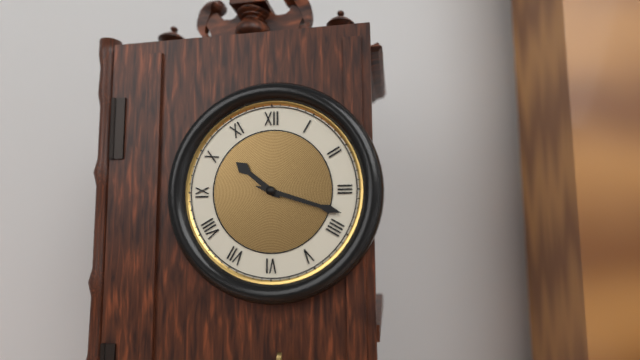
{"hour": 10, "minute": 18}
